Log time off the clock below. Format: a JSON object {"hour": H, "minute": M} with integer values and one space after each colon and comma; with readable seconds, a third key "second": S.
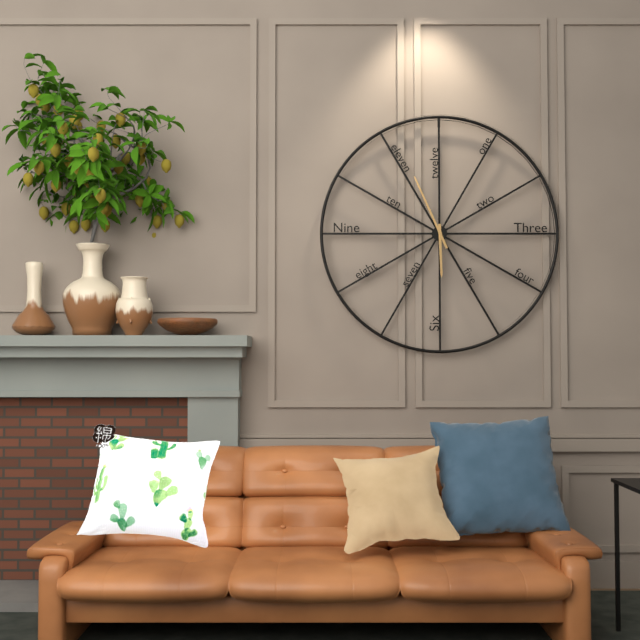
{"hour": 5, "minute": 56}
